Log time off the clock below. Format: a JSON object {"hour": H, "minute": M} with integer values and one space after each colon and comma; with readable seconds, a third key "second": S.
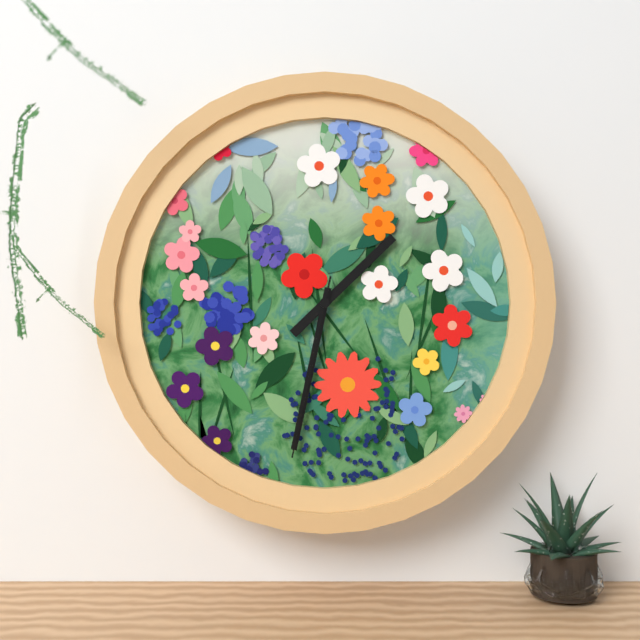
{"hour": 1, "minute": 32, "second": 32}
